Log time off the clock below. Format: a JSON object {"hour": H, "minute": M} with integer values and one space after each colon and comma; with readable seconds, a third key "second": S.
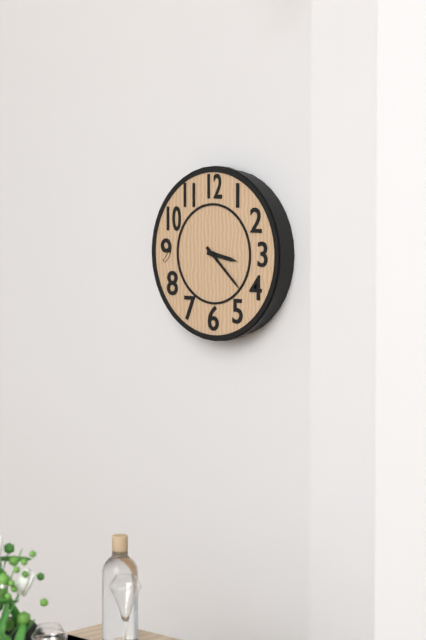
{"hour": 3, "minute": 22}
